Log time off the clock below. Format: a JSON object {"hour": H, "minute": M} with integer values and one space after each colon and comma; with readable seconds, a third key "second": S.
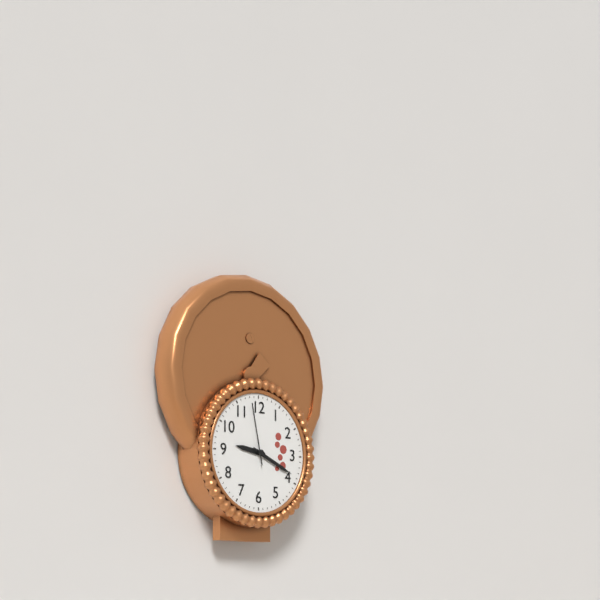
{"hour": 9, "minute": 19, "second": 58}
